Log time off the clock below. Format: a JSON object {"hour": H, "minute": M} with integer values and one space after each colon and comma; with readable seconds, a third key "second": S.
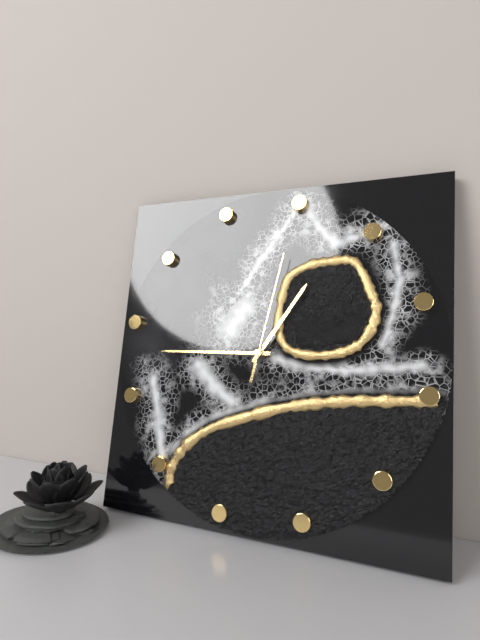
{"hour": 12, "minute": 43, "second": 0}
